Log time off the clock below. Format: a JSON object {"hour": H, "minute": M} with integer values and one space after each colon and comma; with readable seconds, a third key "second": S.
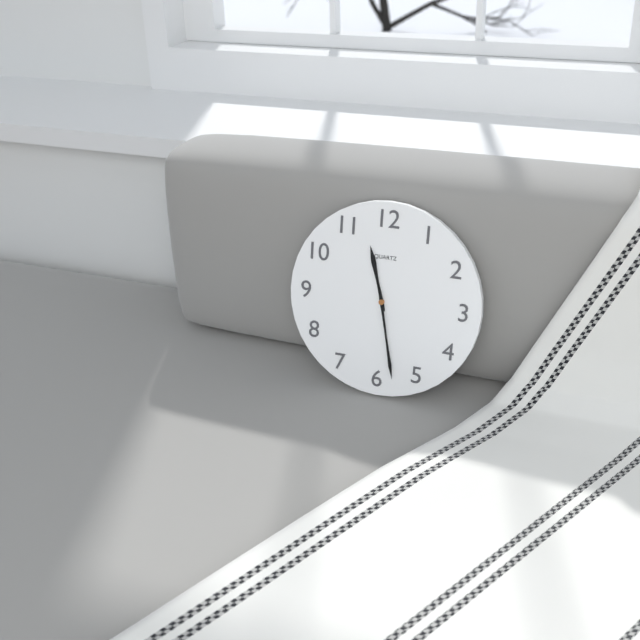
{"hour": 11, "minute": 28}
